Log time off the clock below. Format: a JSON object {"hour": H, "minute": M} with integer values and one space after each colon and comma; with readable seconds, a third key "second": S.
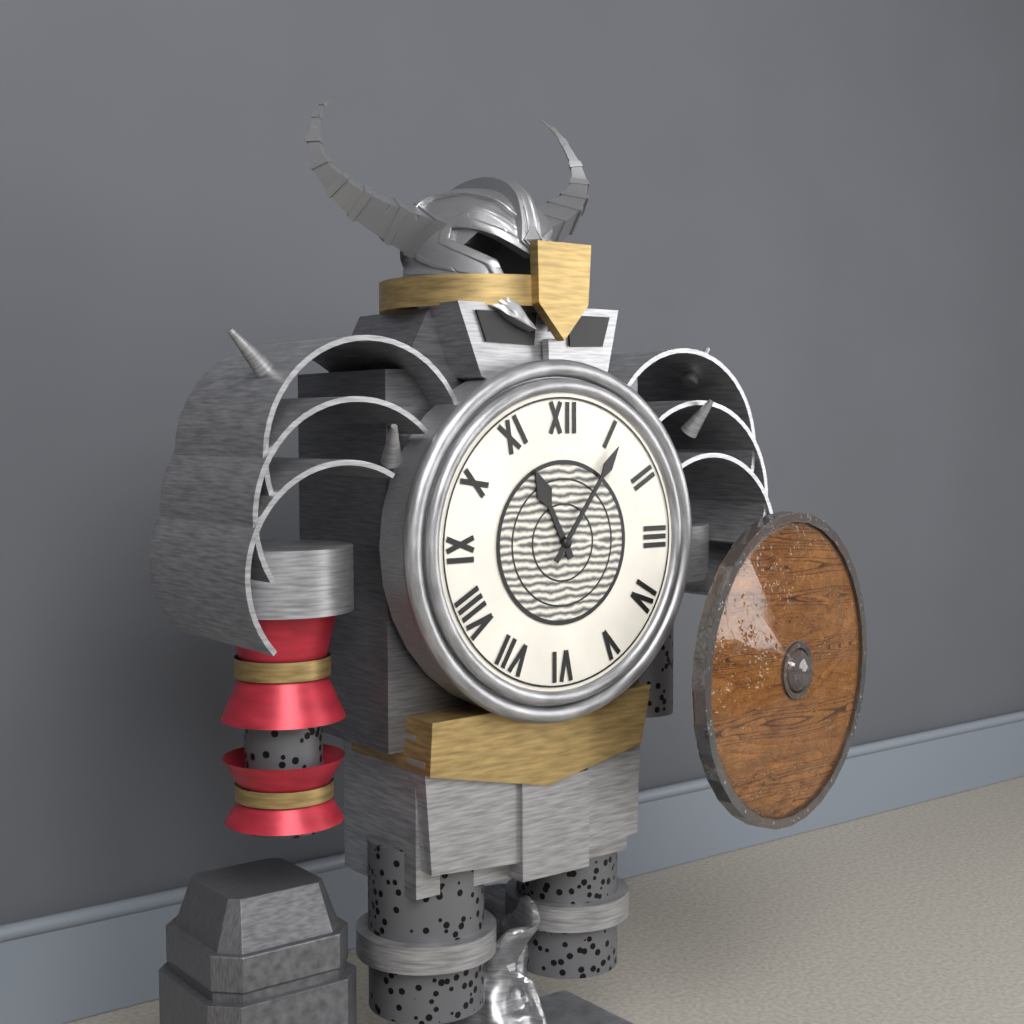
{"hour": 11, "minute": 6}
